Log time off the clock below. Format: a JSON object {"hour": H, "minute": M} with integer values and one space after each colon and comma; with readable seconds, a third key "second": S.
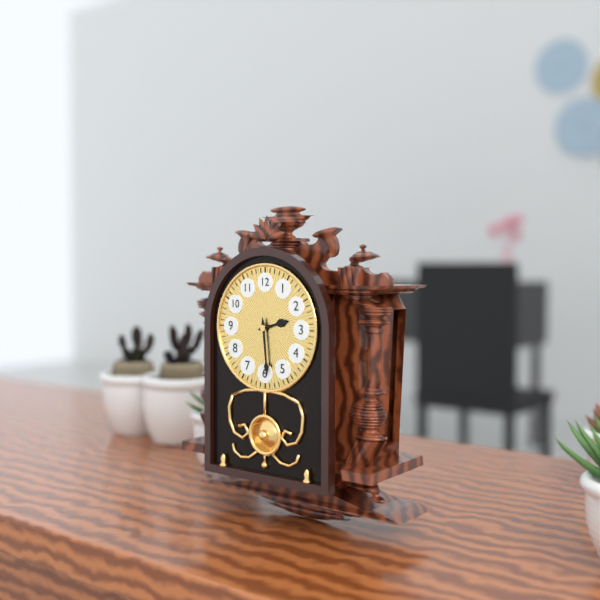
{"hour": 2, "minute": 29}
